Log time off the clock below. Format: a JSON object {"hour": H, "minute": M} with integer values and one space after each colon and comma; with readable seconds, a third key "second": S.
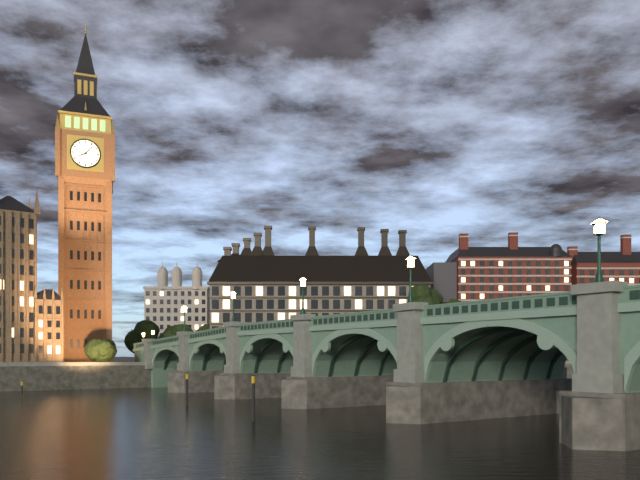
{"hour": 8, "minute": 7}
